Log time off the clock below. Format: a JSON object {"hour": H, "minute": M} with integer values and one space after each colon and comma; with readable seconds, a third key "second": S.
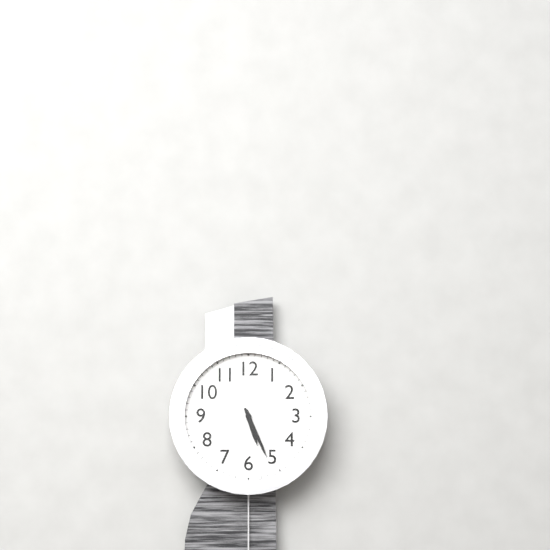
{"hour": 5, "minute": 26}
